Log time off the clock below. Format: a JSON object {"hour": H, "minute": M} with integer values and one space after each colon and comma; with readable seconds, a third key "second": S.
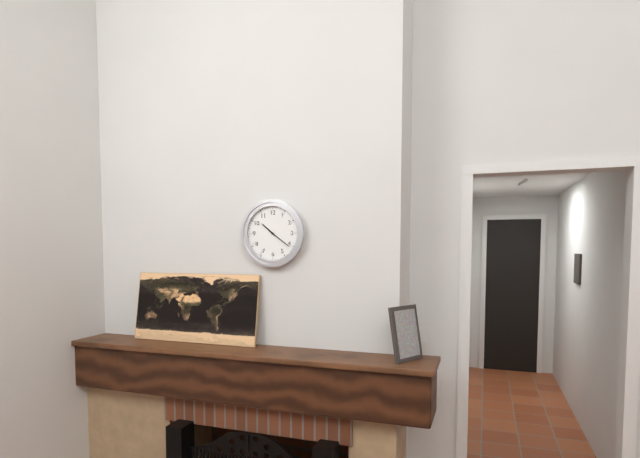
{"hour": 10, "minute": 21}
